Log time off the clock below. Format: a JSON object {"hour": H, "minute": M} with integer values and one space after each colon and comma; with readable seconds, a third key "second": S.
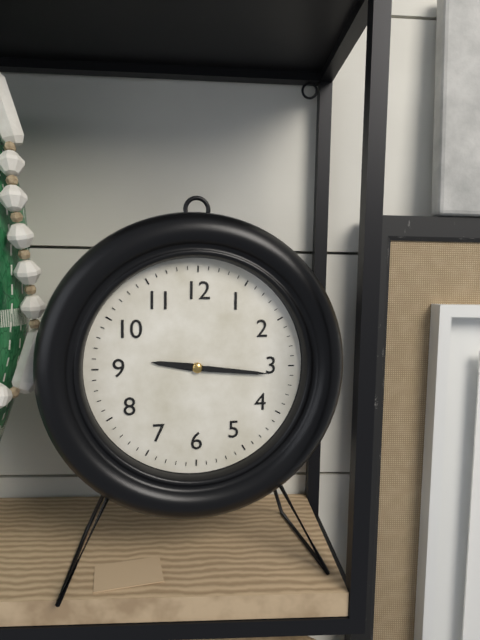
{"hour": 9, "minute": 16}
